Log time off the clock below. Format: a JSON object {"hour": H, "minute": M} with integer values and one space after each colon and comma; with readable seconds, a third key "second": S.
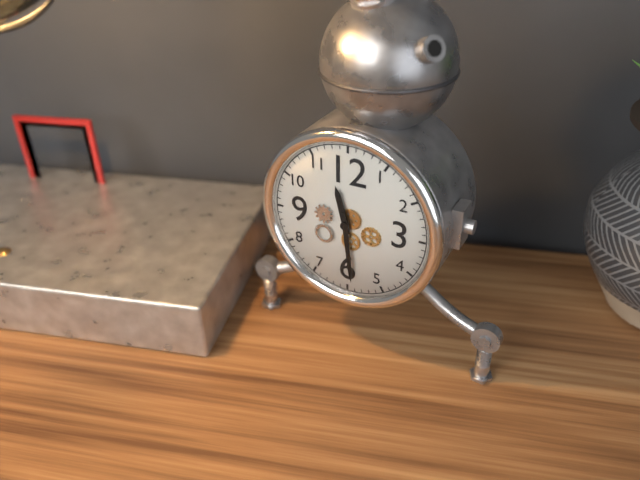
{"hour": 11, "minute": 29}
